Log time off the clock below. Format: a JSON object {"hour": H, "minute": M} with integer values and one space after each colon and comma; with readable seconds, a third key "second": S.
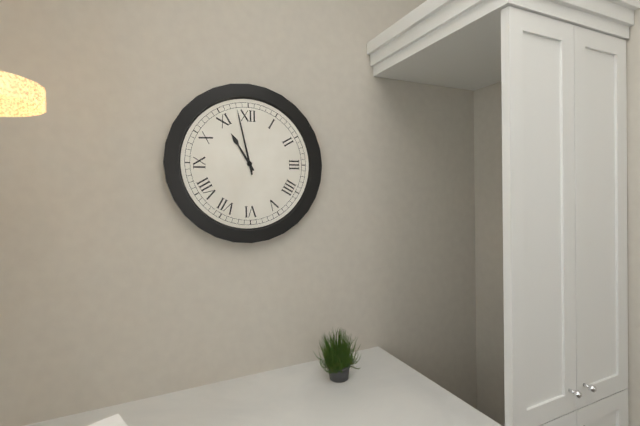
{"hour": 10, "minute": 58}
